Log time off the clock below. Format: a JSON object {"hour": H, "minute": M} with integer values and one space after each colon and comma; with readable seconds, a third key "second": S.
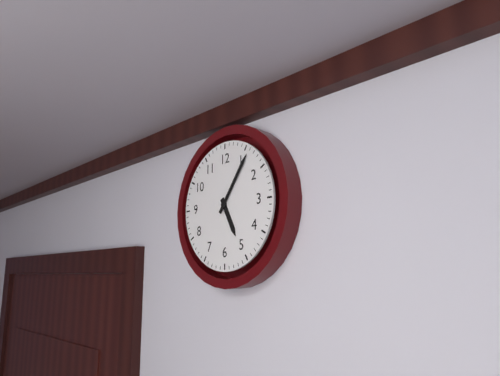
{"hour": 5, "minute": 6}
